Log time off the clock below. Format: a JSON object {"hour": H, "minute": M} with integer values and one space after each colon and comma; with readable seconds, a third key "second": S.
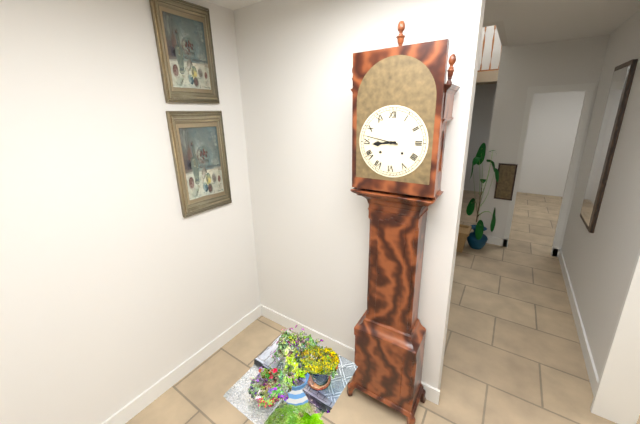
{"hour": 8, "minute": 47}
